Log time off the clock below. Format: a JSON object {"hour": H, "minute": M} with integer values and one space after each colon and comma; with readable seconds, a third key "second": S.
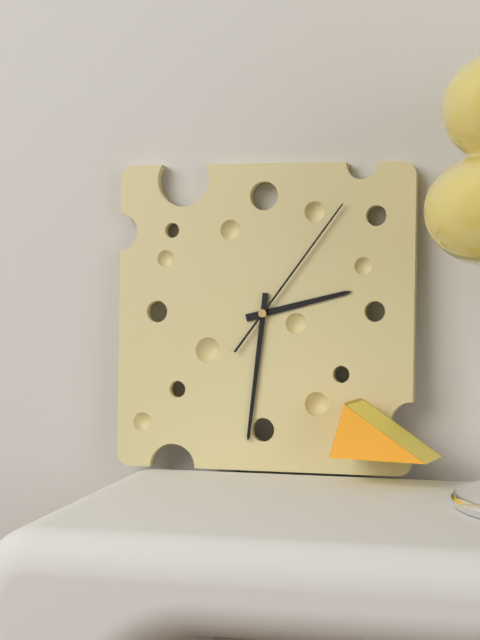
{"hour": 2, "minute": 31, "second": 6}
